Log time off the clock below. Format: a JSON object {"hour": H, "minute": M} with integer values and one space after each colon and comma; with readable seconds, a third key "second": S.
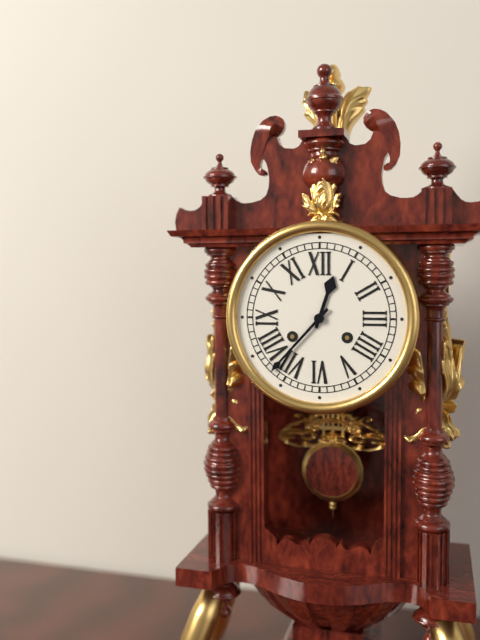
{"hour": 12, "minute": 37}
